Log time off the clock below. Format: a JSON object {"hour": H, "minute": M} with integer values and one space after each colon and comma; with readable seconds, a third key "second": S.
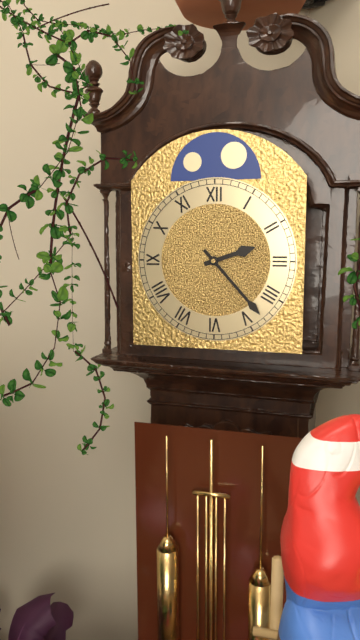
{"hour": 2, "minute": 23}
